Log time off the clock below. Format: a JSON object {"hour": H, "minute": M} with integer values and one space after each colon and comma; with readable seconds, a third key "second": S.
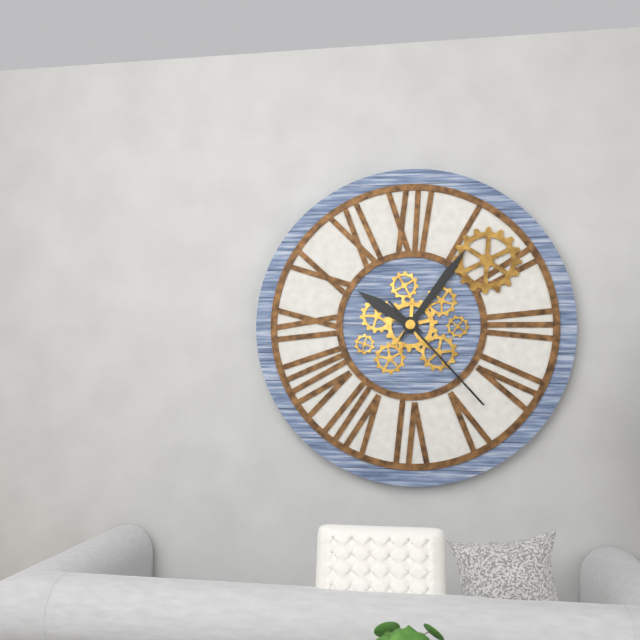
{"hour": 10, "minute": 6, "second": 23}
